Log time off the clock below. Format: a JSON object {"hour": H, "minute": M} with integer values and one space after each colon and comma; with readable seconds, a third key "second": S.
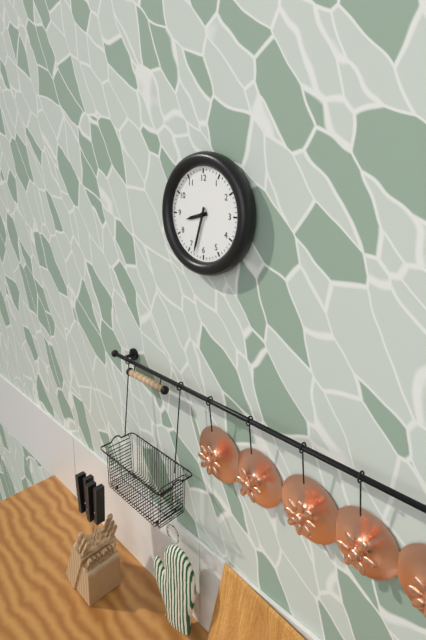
{"hour": 8, "minute": 33}
